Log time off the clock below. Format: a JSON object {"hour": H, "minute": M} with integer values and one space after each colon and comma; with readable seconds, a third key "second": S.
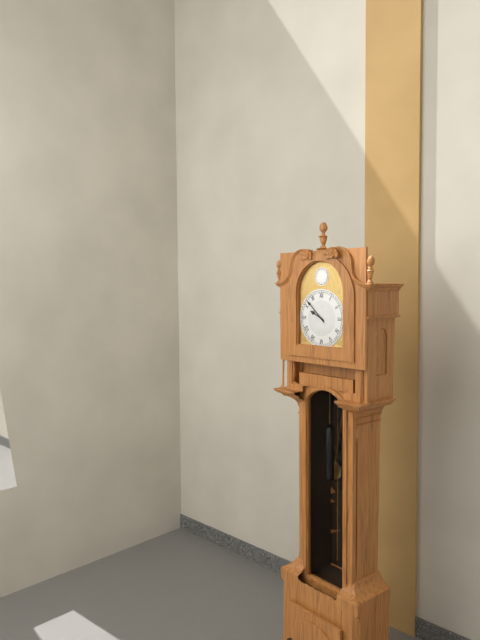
{"hour": 9, "minute": 52}
